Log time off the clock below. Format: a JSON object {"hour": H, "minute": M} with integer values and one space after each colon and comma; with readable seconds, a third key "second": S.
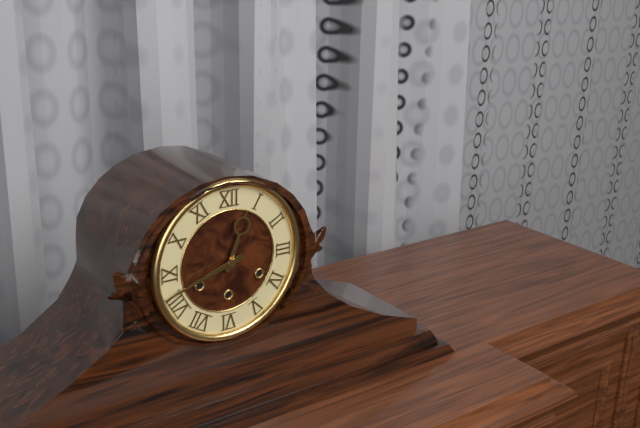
{"hour": 12, "minute": 42}
